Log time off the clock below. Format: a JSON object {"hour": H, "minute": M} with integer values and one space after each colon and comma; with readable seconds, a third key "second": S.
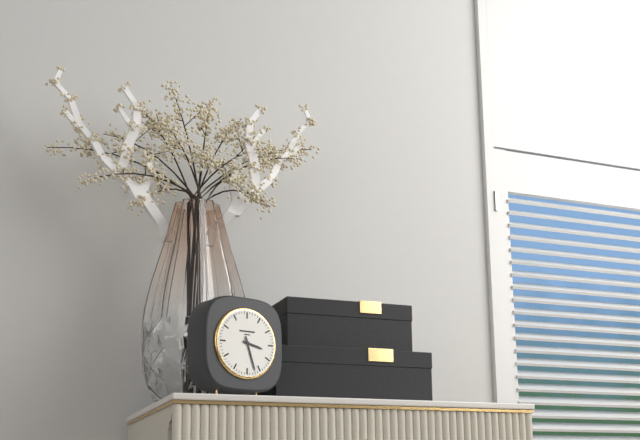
{"hour": 3, "minute": 27}
